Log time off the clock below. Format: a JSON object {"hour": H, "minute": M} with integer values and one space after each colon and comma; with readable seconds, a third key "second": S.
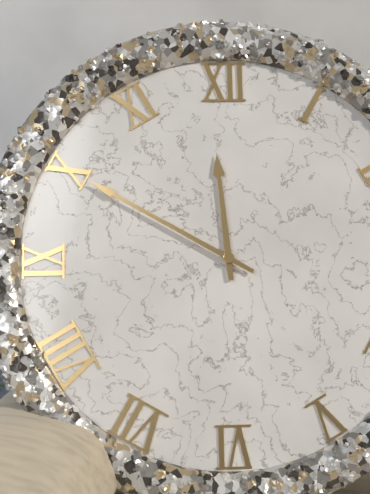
{"hour": 11, "minute": 50}
